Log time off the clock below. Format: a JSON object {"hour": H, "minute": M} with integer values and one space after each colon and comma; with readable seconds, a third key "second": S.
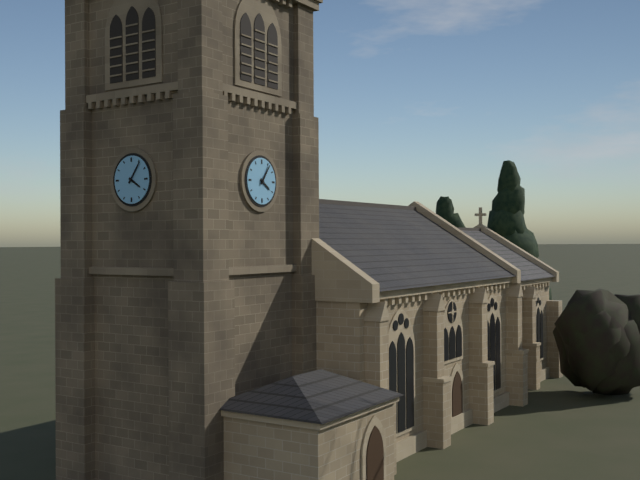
{"hour": 4, "minute": 6}
